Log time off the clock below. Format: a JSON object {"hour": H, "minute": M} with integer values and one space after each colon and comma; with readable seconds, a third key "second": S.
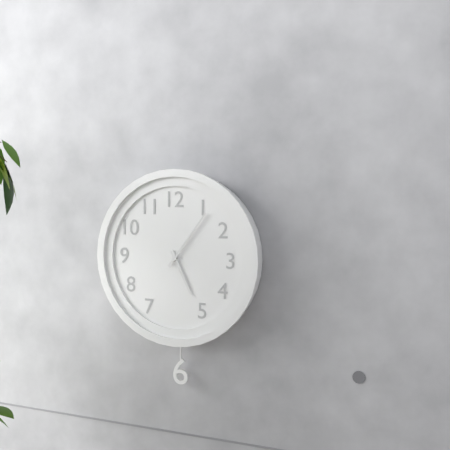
{"hour": 5, "minute": 6}
